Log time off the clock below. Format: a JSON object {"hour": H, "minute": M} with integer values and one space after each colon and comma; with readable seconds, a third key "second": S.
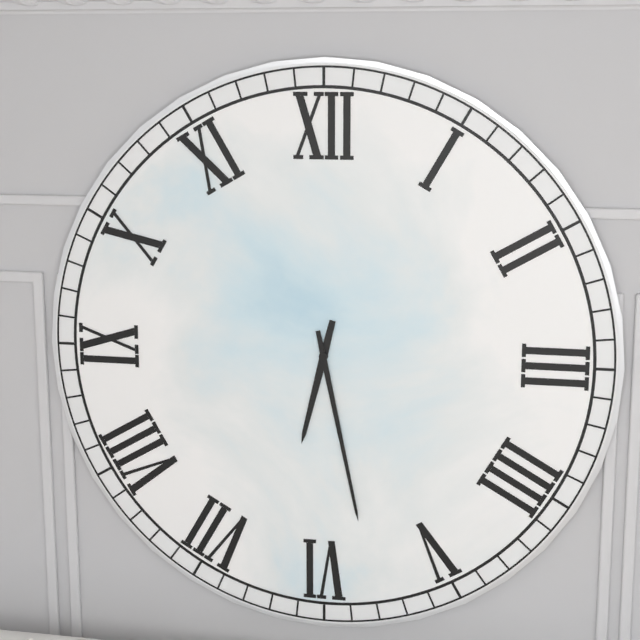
{"hour": 6, "minute": 28}
